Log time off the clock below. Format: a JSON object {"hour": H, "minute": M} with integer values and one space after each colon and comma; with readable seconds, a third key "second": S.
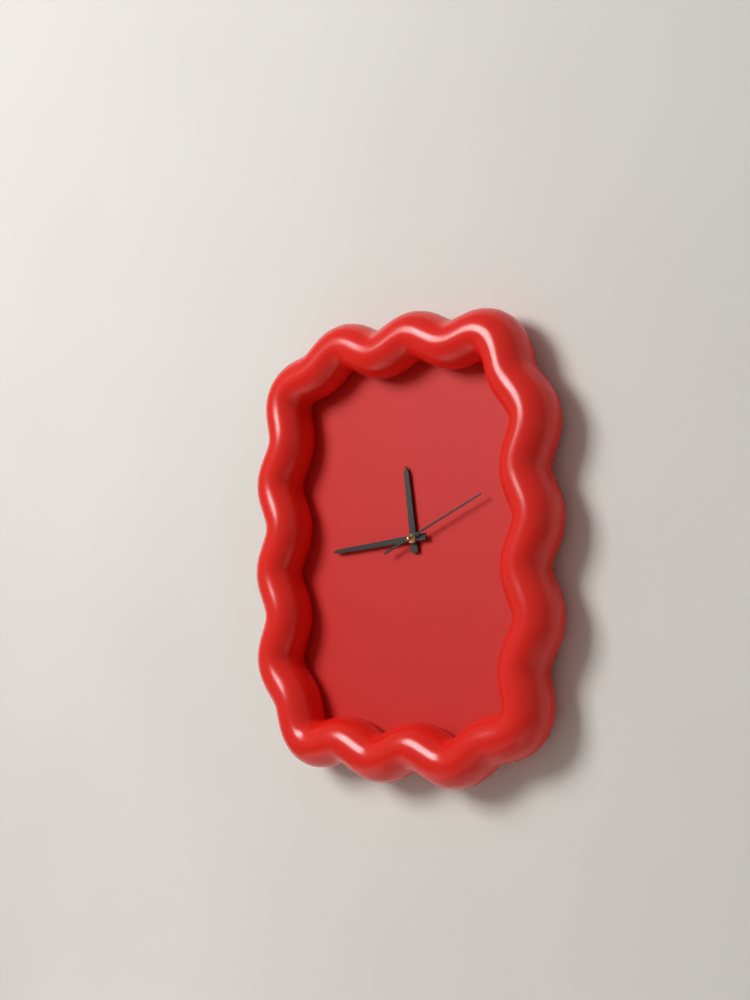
{"hour": 11, "minute": 44, "second": 11}
